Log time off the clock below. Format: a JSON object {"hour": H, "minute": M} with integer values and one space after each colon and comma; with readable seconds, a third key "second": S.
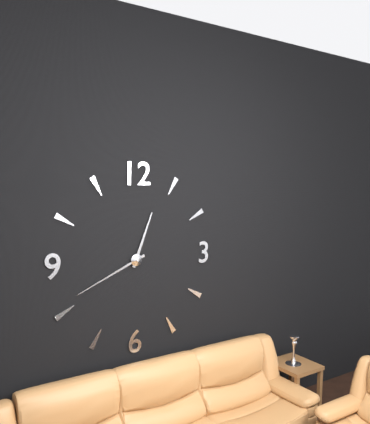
{"hour": 12, "minute": 41}
